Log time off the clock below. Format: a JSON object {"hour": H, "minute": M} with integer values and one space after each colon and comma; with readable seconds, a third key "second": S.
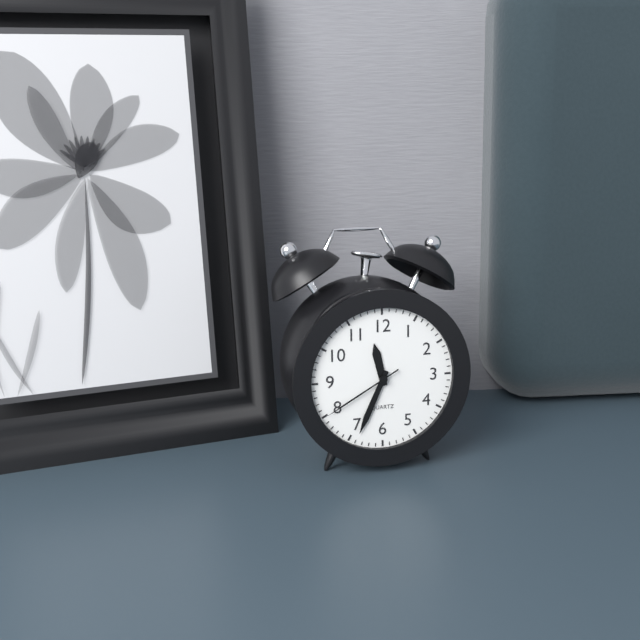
{"hour": 11, "minute": 34, "second": 40}
